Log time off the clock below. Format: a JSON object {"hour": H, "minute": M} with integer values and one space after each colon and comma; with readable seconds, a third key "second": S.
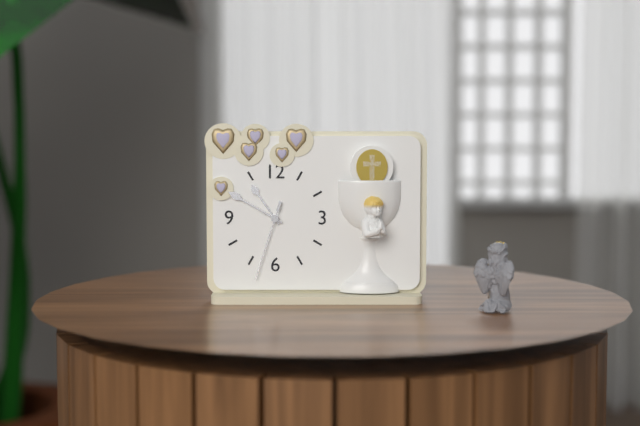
{"hour": 10, "minute": 50, "second": 33}
